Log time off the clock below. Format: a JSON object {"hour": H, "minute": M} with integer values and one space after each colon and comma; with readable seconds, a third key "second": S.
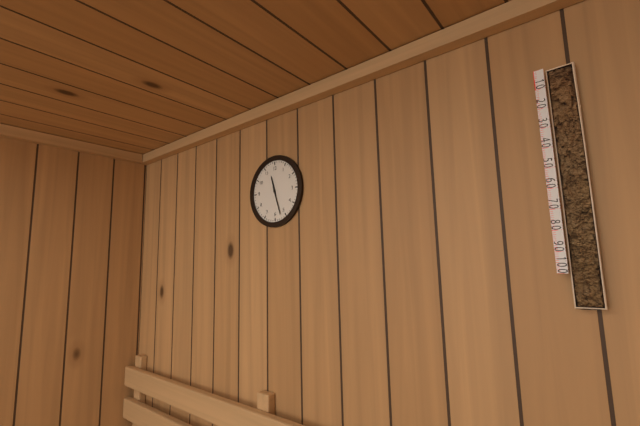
{"hour": 11, "minute": 27}
